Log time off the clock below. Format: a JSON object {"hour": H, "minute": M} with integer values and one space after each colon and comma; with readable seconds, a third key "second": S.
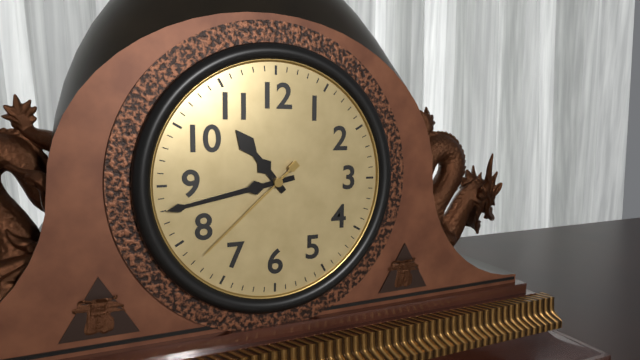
{"hour": 10, "minute": 43, "second": 38}
